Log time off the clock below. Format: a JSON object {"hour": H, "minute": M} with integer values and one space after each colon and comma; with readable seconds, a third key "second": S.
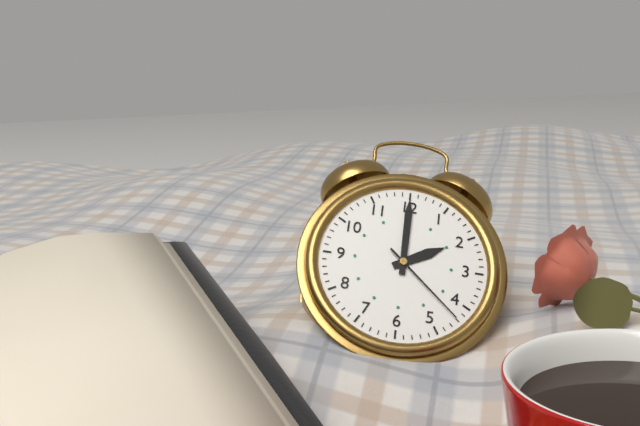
{"hour": 2, "minute": 0, "second": 22}
